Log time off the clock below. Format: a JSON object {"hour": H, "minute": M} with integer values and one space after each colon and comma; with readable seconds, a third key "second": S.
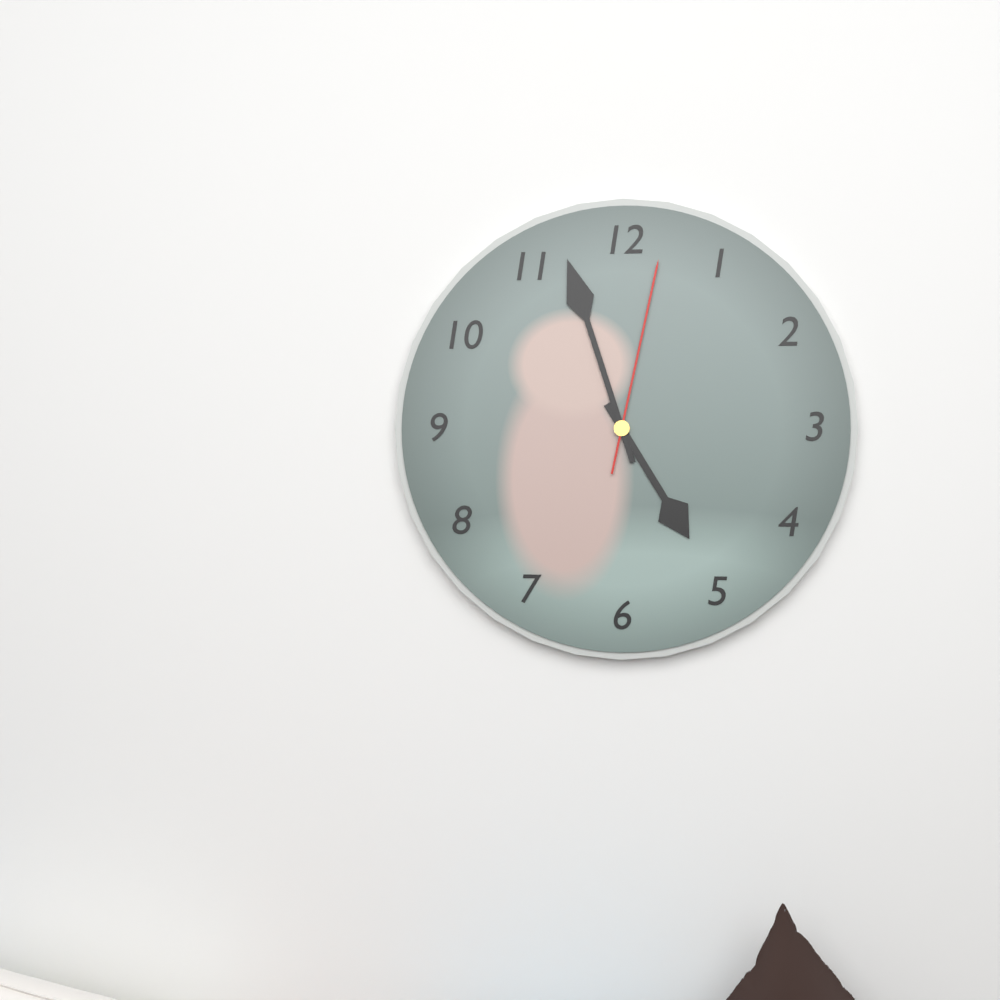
{"hour": 4, "minute": 57, "second": 2}
